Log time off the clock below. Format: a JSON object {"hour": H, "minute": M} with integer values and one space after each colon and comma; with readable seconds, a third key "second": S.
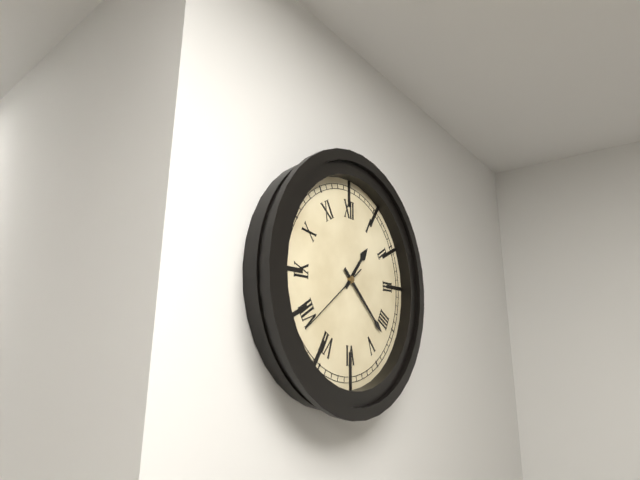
{"hour": 1, "minute": 22, "second": 39}
